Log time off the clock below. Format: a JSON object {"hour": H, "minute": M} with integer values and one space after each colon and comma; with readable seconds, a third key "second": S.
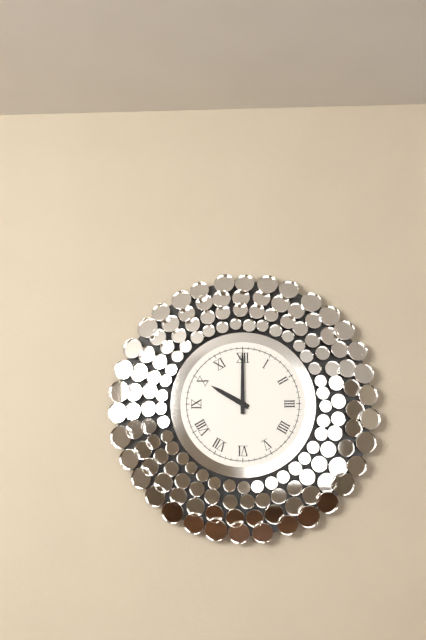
{"hour": 10, "minute": 0}
